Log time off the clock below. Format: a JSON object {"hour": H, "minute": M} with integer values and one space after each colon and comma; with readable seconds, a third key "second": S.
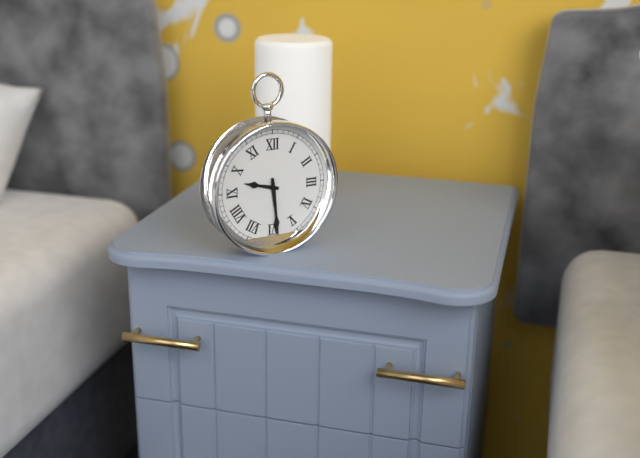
{"hour": 9, "minute": 29}
